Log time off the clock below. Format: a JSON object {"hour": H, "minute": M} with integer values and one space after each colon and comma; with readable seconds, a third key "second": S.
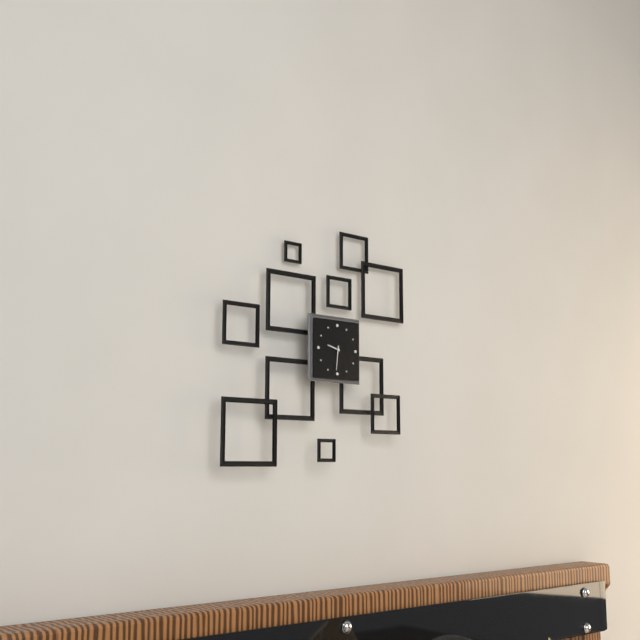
{"hour": 9, "minute": 31}
